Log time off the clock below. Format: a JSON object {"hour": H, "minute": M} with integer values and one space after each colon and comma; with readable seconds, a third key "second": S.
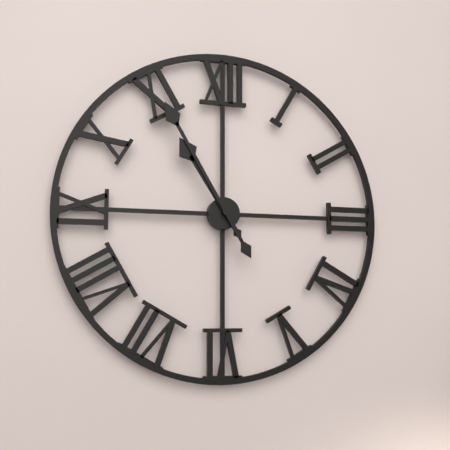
{"hour": 10, "minute": 55}
